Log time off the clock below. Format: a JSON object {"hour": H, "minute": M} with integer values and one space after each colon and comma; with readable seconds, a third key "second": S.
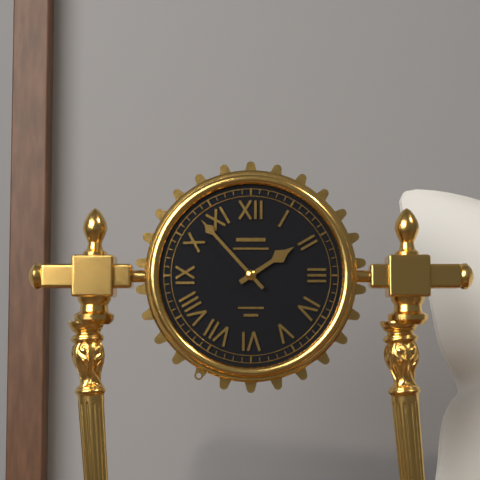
{"hour": 1, "minute": 53}
